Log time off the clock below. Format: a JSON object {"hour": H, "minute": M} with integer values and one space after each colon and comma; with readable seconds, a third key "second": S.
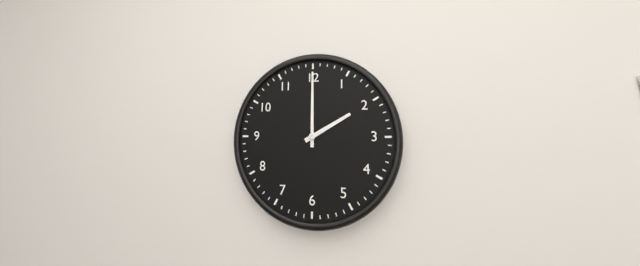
{"hour": 2, "minute": 0}
